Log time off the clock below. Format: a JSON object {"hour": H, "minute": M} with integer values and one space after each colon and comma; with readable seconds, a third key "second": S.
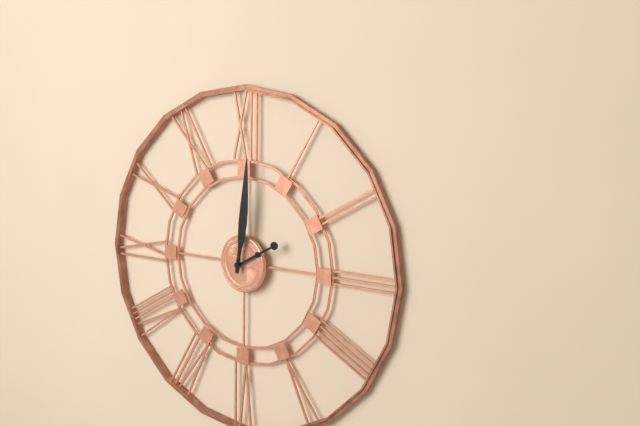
{"hour": 2, "minute": 1}
